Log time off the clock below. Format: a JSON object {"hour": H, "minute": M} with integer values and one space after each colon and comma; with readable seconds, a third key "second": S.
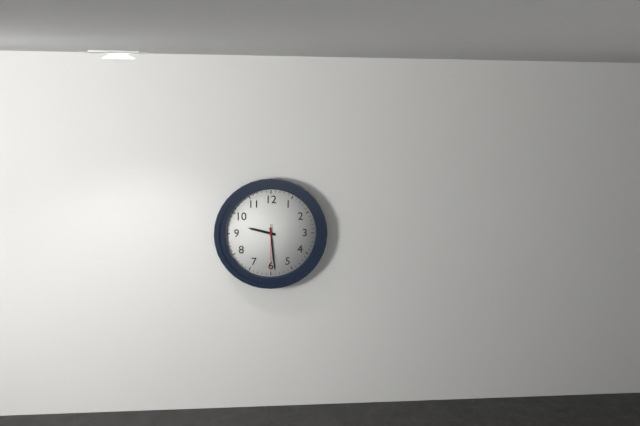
{"hour": 9, "minute": 29}
